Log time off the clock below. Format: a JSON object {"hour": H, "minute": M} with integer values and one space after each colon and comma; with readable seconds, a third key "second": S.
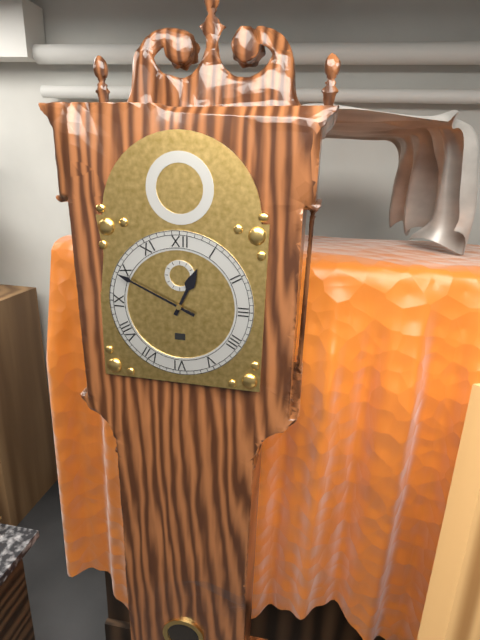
{"hour": 12, "minute": 49}
